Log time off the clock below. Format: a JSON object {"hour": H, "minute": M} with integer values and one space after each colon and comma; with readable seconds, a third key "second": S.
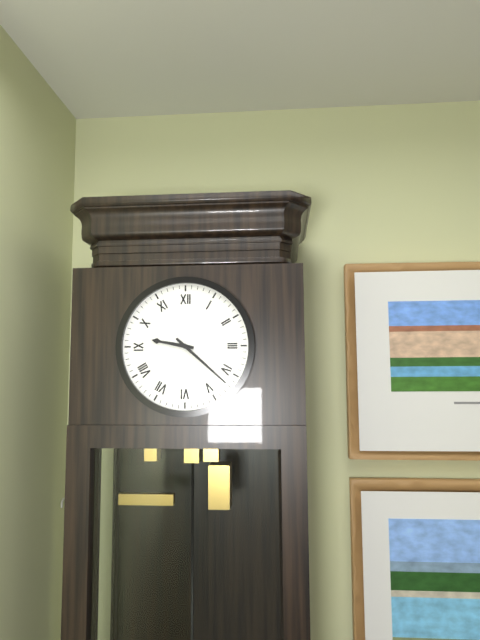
{"hour": 9, "minute": 22}
